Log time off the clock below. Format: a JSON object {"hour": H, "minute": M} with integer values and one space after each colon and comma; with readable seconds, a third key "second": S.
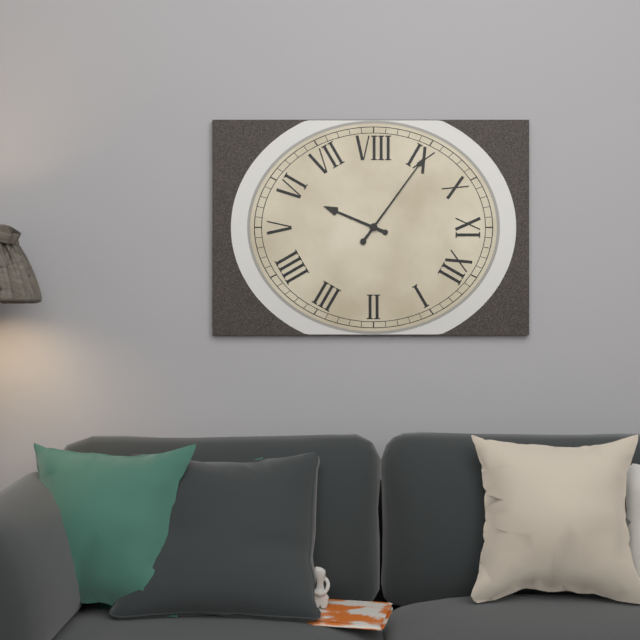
{"hour": 5, "minute": 46}
